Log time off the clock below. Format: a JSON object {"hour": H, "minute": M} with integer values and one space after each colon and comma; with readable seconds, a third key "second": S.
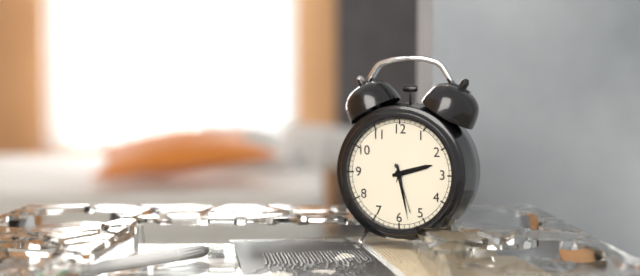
{"hour": 2, "minute": 28, "second": 27}
